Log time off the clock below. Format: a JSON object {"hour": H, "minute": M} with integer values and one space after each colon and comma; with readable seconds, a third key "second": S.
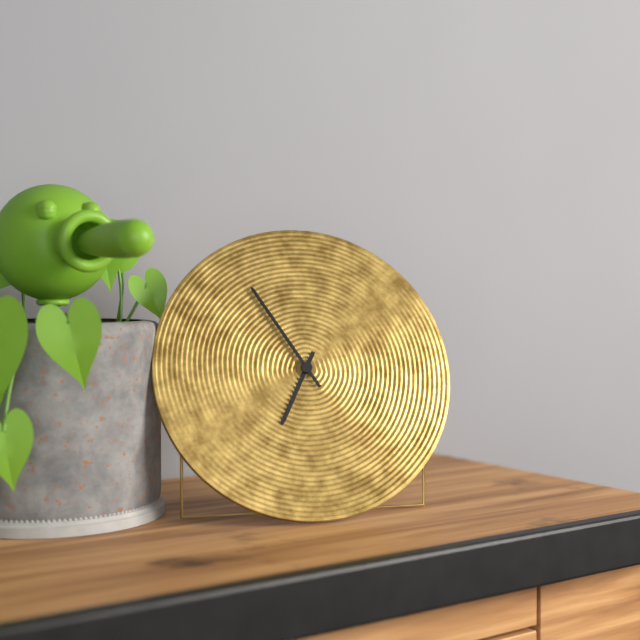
{"hour": 6, "minute": 55}
